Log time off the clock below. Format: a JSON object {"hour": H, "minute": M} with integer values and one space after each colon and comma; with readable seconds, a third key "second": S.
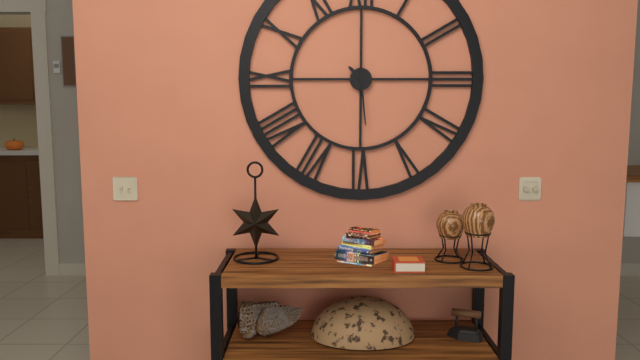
{"hour": 10, "minute": 29}
